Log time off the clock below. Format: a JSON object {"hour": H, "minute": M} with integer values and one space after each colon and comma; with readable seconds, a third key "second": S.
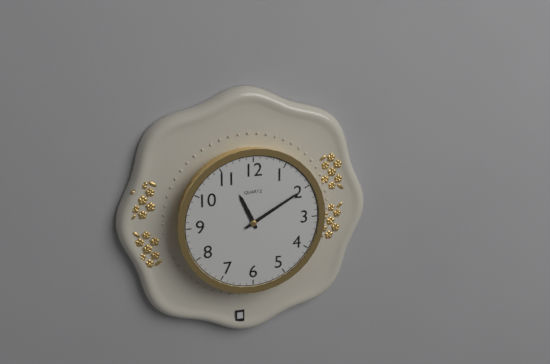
{"hour": 11, "minute": 10}
